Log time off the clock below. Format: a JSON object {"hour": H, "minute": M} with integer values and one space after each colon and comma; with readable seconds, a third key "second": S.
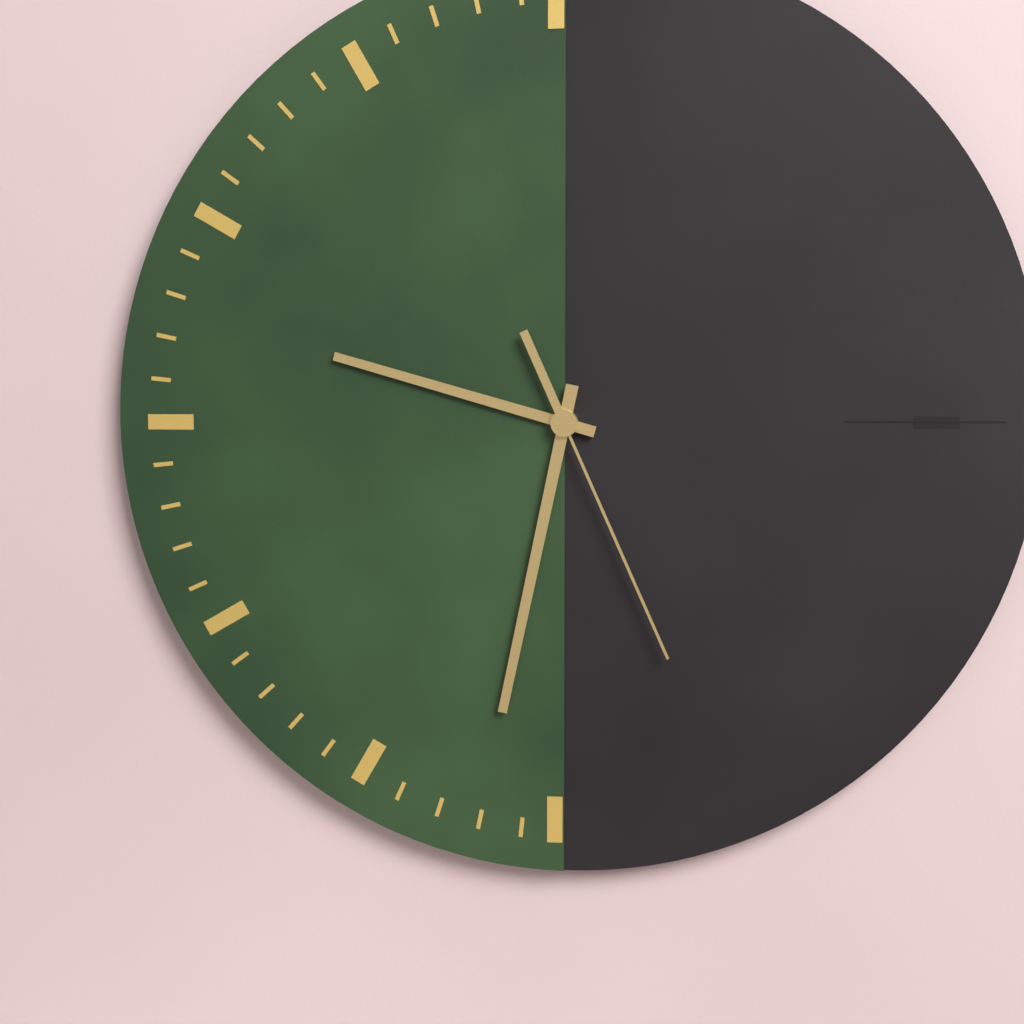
{"hour": 9, "minute": 32, "second": 26}
